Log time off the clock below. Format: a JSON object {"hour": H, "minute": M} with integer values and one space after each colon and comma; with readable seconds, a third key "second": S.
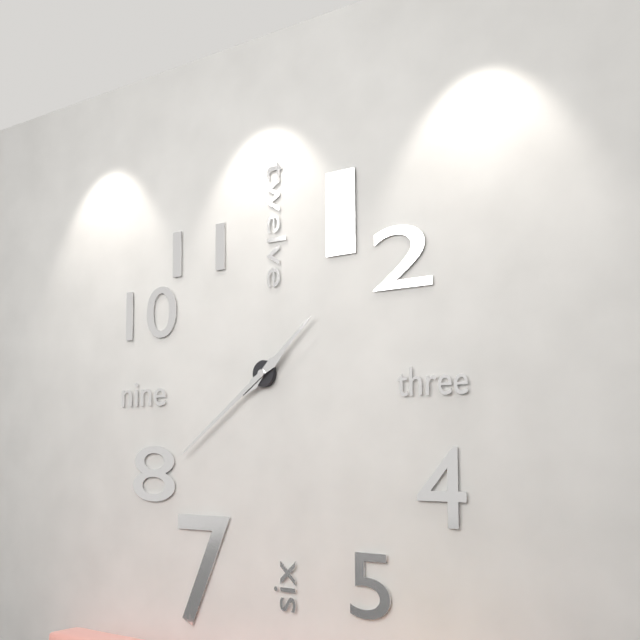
{"hour": 1, "minute": 39}
